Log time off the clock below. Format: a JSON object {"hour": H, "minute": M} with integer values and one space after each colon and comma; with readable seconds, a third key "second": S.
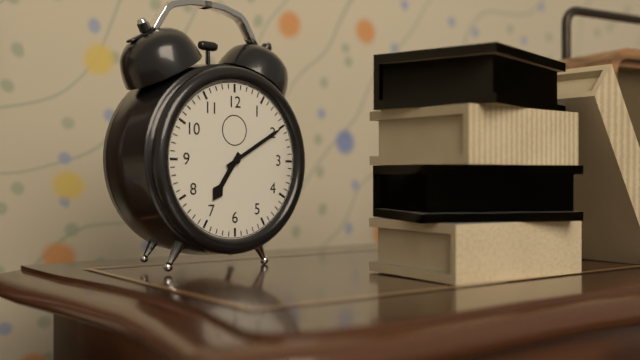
{"hour": 7, "minute": 10}
